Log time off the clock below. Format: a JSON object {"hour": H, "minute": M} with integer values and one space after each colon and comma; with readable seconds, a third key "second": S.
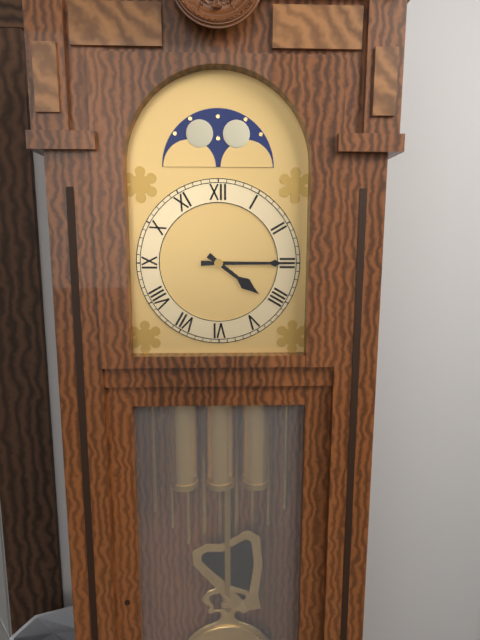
{"hour": 4, "minute": 15}
